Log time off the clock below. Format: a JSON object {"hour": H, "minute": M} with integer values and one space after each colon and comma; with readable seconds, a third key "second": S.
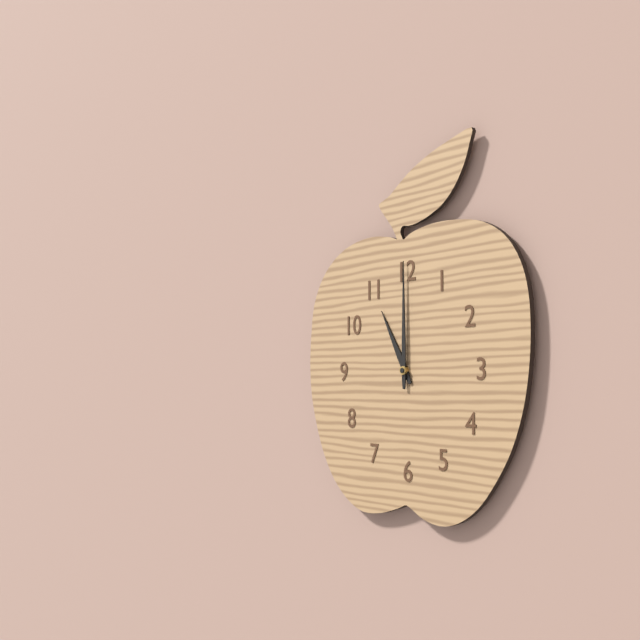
{"hour": 11, "minute": 0}
